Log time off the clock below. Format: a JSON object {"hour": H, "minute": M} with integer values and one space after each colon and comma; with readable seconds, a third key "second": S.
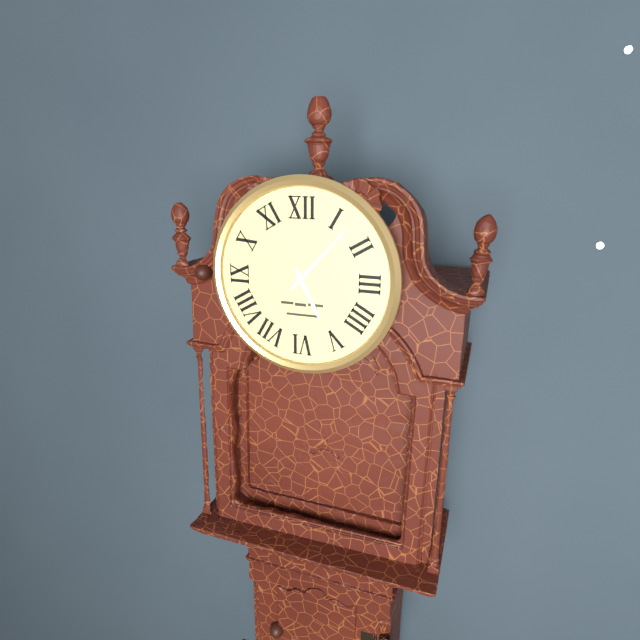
{"hour": 5, "minute": 7}
